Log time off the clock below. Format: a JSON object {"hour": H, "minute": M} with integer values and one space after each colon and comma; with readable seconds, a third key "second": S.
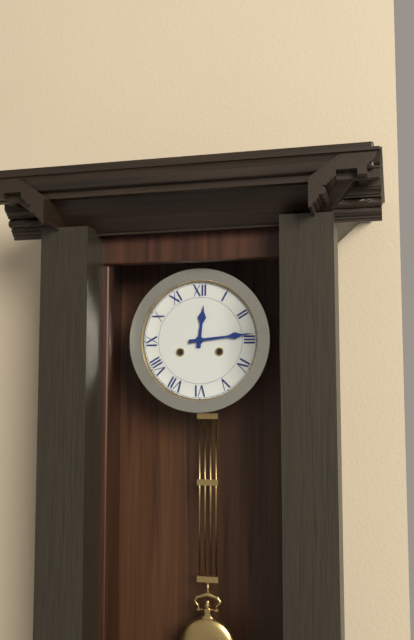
{"hour": 12, "minute": 14}
